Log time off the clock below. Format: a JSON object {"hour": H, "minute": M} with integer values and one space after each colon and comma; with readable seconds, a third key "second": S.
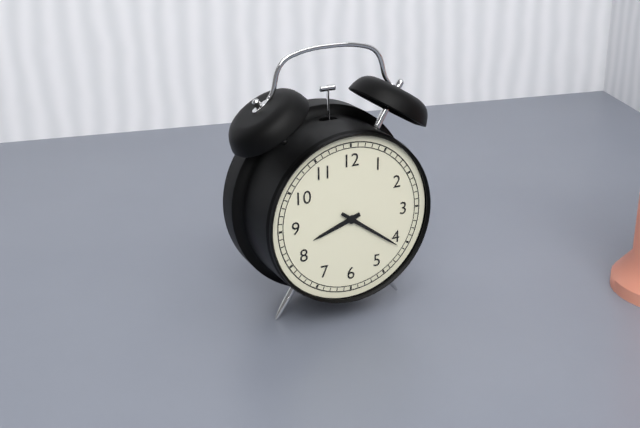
{"hour": 8, "minute": 21}
